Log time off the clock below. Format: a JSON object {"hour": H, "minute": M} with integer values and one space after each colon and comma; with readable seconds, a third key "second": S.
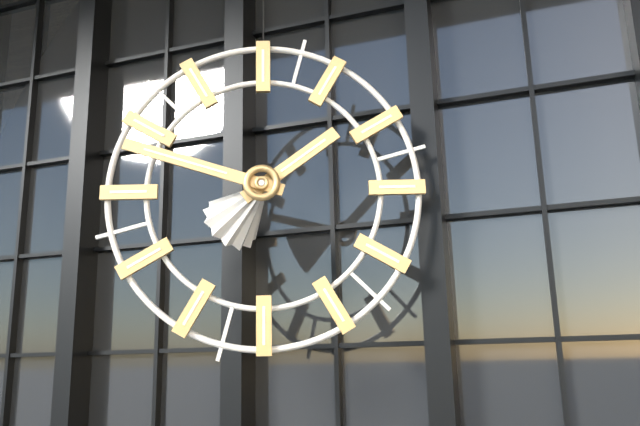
{"hour": 1, "minute": 48}
